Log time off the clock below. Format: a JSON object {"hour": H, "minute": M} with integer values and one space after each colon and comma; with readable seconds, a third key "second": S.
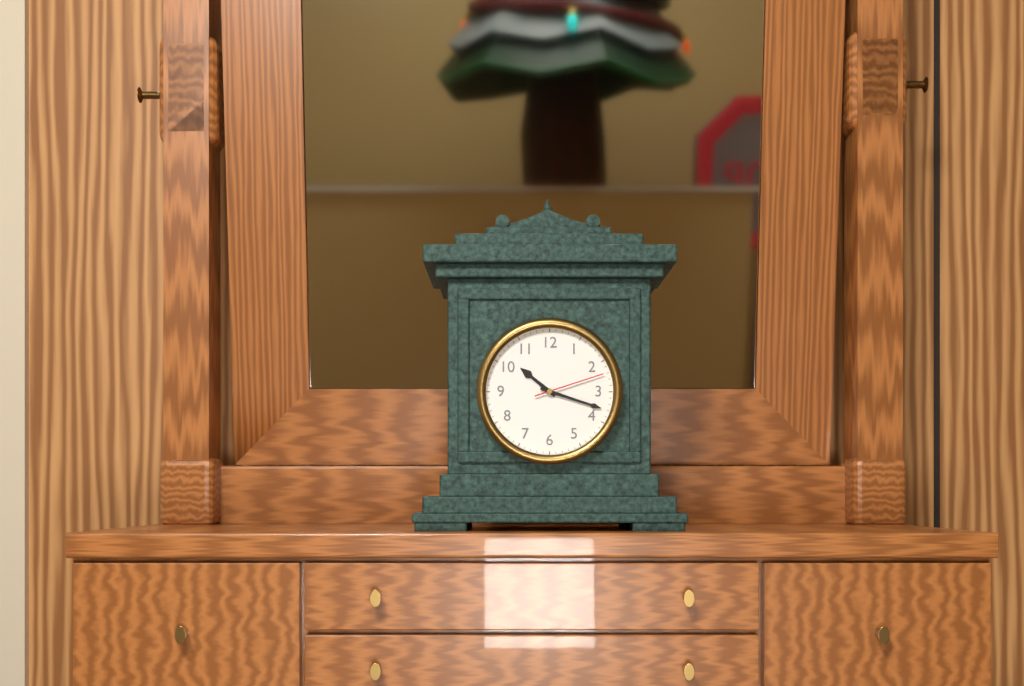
{"hour": 10, "minute": 18, "second": 12}
